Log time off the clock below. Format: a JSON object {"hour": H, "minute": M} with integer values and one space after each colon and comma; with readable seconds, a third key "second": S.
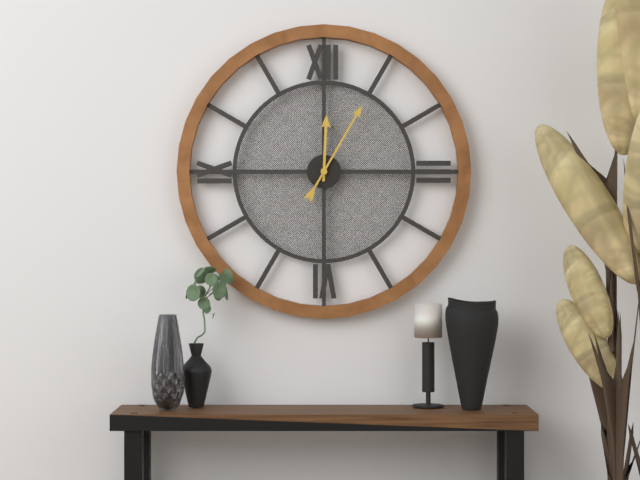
{"hour": 12, "minute": 5}
